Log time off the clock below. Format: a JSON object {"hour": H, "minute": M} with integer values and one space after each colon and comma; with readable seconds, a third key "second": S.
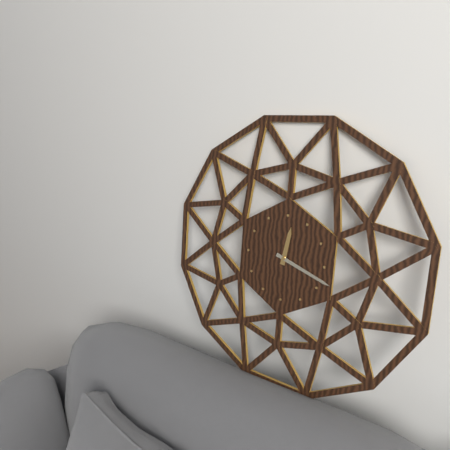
{"hour": 12, "minute": 18}
